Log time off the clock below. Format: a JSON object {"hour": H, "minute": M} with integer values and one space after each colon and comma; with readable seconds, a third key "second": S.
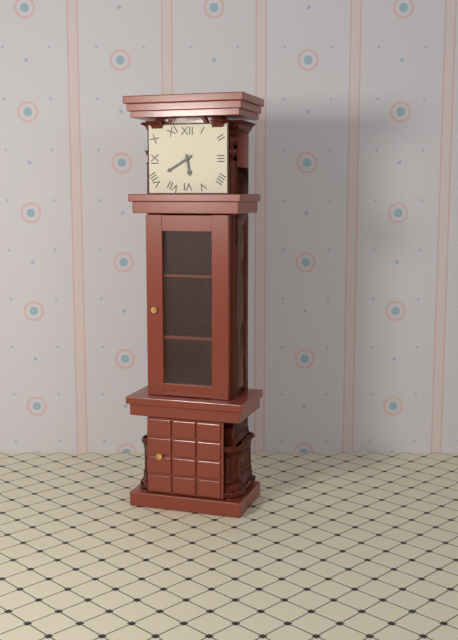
{"hour": 5, "minute": 40}
